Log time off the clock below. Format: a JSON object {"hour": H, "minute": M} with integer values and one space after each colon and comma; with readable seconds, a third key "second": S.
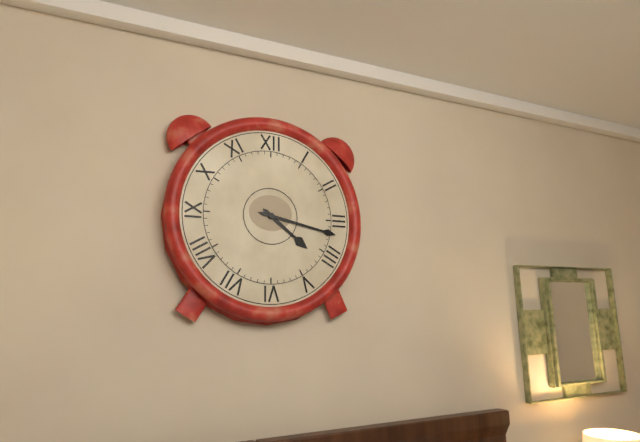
{"hour": 4, "minute": 17}
